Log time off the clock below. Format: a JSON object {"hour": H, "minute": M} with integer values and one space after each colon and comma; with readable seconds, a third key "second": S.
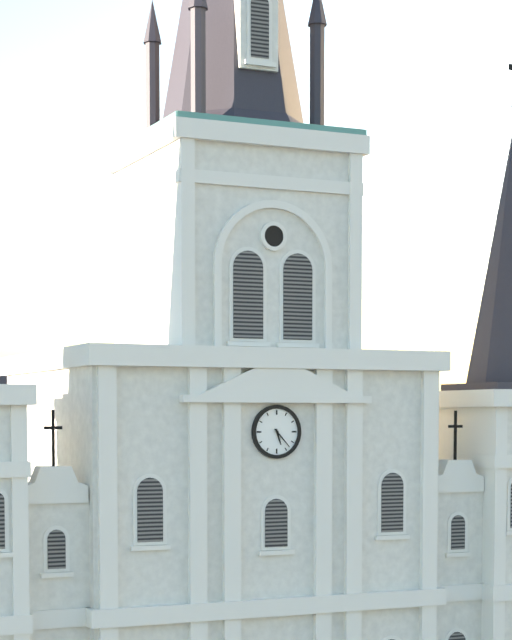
{"hour": 5, "minute": 23}
